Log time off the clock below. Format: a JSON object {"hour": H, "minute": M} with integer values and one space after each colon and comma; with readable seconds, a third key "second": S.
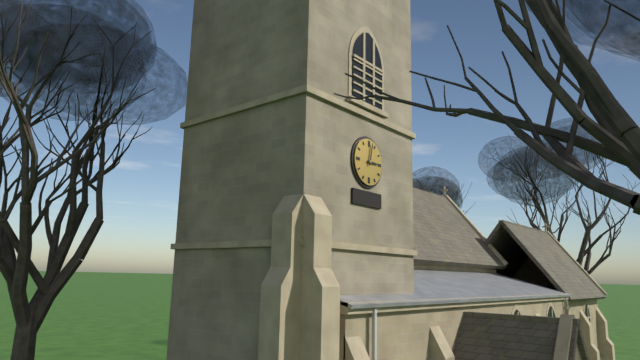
{"hour": 3, "minute": 2}
